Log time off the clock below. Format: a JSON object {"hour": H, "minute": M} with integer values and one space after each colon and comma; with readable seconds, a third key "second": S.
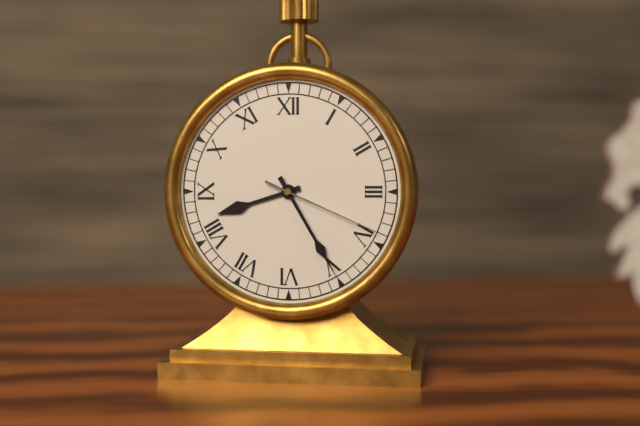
{"hour": 8, "minute": 25, "second": 19}
